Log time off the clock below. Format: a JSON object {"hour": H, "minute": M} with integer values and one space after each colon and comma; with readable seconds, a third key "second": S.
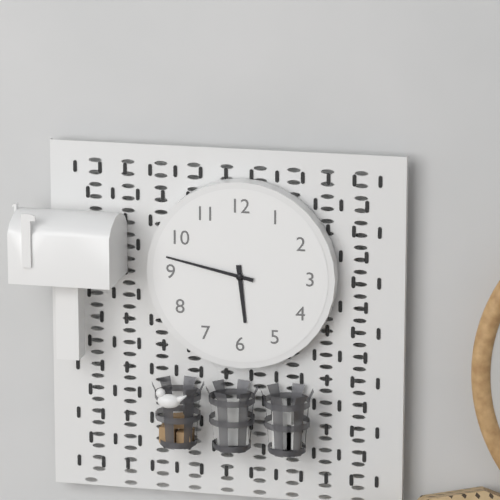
{"hour": 5, "minute": 47}
